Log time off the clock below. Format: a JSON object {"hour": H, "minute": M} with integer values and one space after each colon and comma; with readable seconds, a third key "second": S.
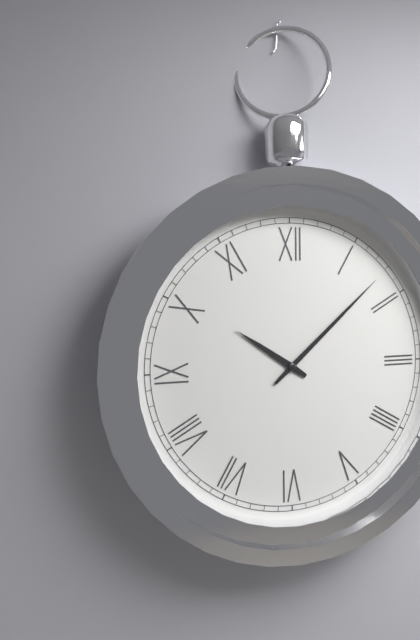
{"hour": 10, "minute": 8}
